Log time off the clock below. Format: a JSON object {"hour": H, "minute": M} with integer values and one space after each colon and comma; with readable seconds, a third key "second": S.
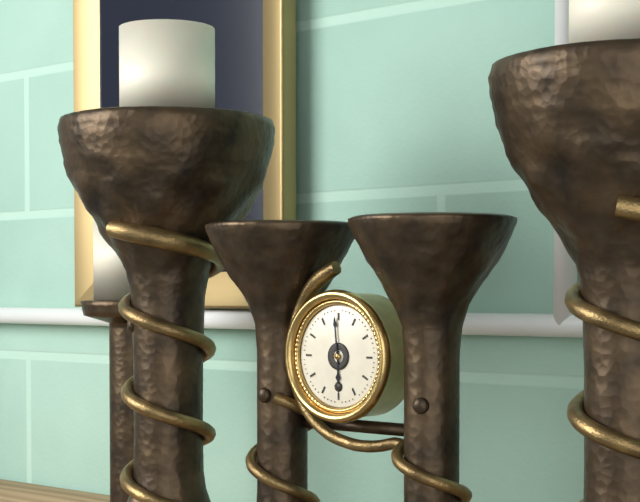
{"hour": 5, "minute": 59}
